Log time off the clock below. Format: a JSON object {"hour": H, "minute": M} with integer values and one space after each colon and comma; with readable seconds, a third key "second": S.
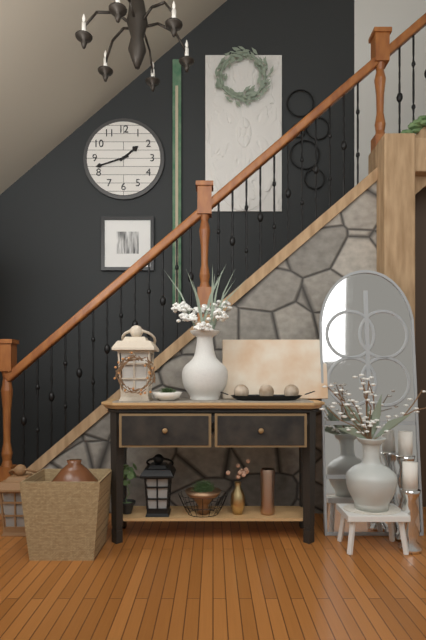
{"hour": 1, "minute": 42}
